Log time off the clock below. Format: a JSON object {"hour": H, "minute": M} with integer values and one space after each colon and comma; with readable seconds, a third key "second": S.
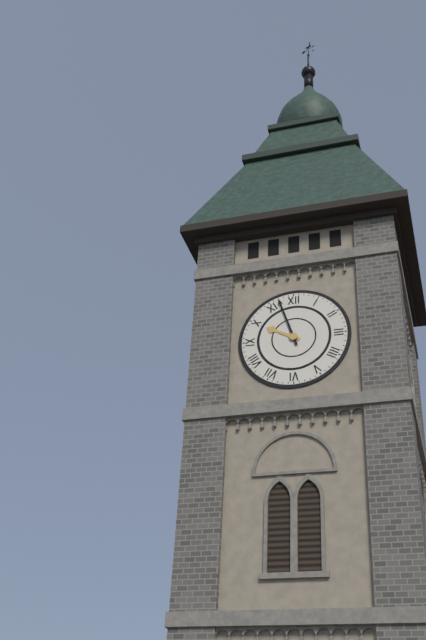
{"hour": 9, "minute": 57}
